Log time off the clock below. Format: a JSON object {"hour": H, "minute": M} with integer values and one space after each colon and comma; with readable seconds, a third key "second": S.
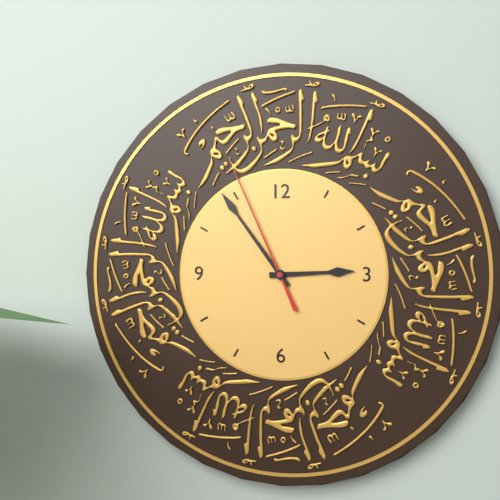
{"hour": 2, "minute": 54, "second": 56}
